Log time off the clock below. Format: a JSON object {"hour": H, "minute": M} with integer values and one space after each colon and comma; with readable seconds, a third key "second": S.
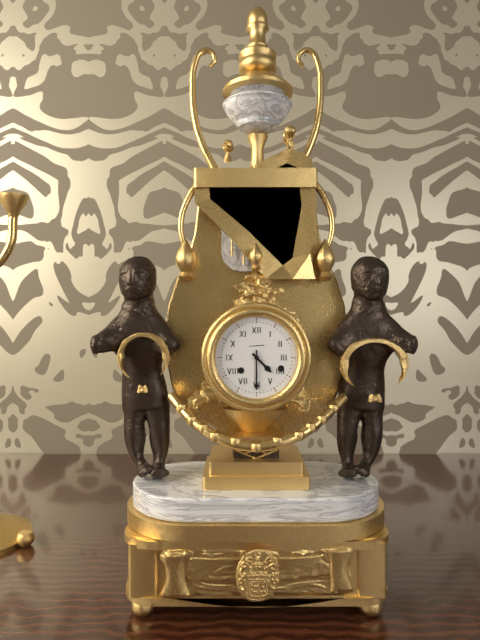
{"hour": 4, "minute": 30}
